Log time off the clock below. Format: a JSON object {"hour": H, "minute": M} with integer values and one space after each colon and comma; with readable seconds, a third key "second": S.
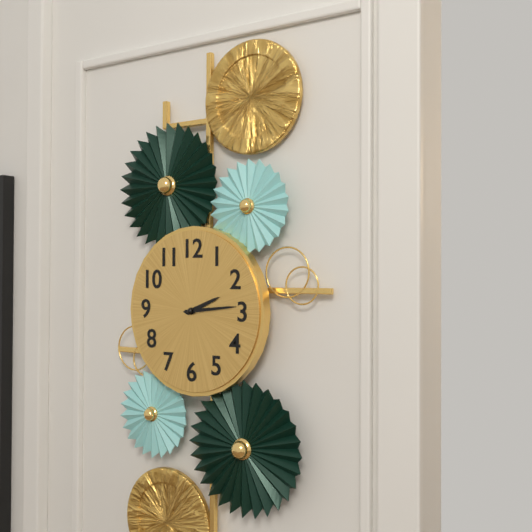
{"hour": 2, "minute": 14}
